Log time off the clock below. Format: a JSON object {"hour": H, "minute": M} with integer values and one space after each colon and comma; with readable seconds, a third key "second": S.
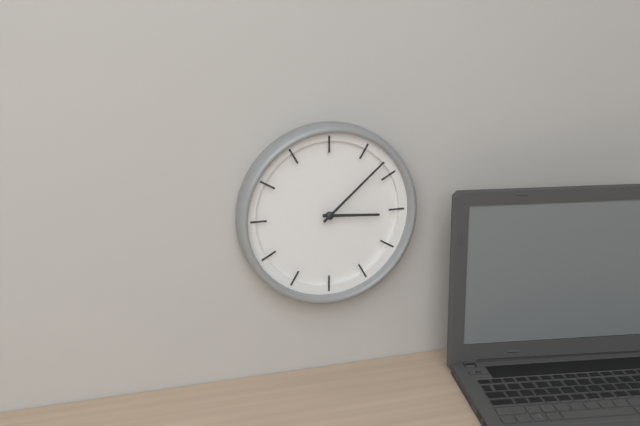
{"hour": 3, "minute": 8}
